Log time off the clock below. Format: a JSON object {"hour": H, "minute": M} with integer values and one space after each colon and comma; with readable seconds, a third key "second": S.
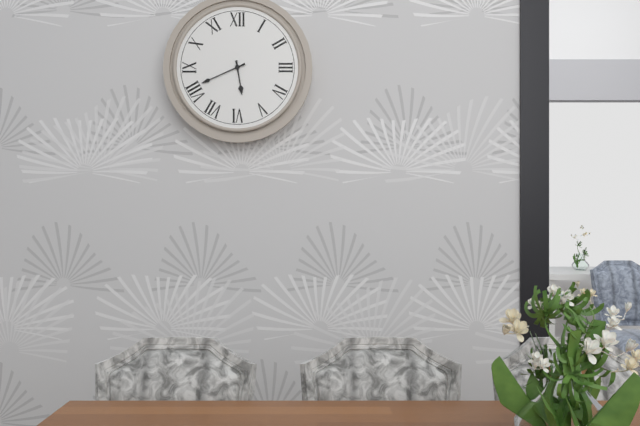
{"hour": 5, "minute": 41}
